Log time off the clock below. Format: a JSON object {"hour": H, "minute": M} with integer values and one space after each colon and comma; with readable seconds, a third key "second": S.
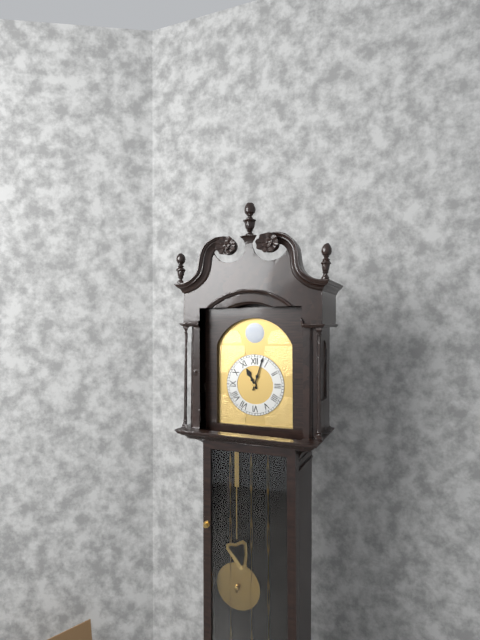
{"hour": 11, "minute": 3}
